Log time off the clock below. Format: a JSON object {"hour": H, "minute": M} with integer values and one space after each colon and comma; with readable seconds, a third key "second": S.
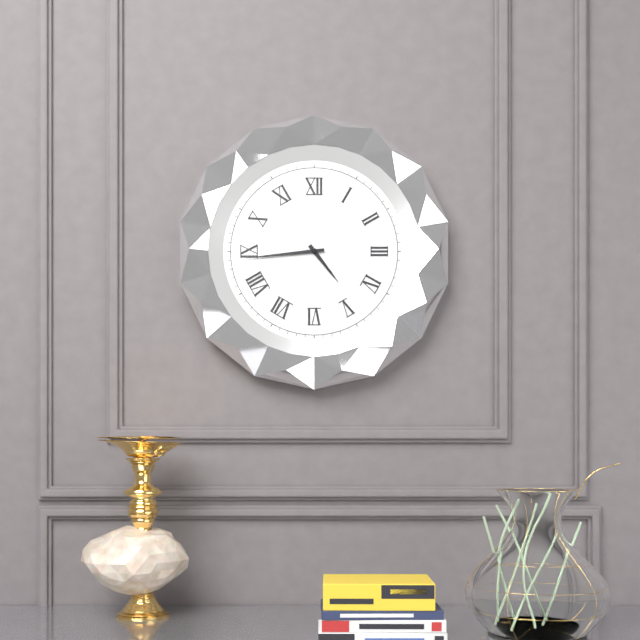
{"hour": 4, "minute": 44}
